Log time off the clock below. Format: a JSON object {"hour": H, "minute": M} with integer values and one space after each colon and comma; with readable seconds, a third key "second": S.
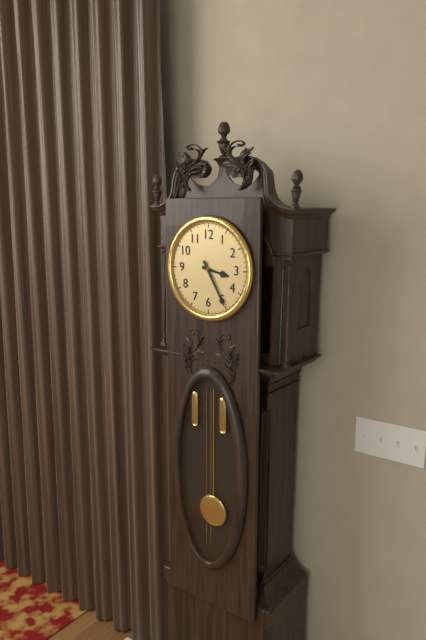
{"hour": 3, "minute": 25}
